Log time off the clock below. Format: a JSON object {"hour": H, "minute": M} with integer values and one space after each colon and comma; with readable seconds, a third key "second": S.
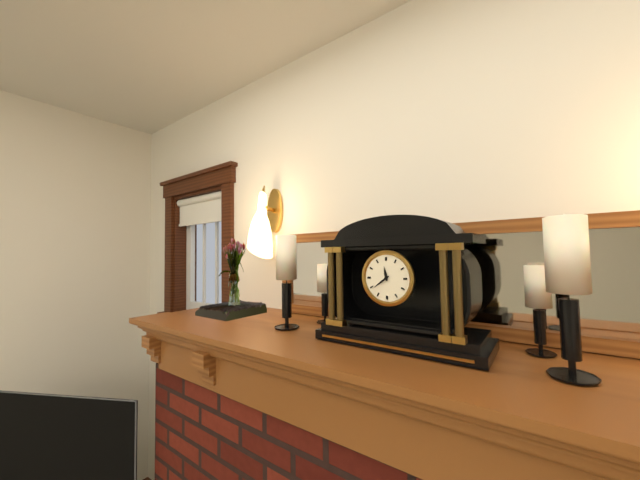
{"hour": 11, "minute": 39}
